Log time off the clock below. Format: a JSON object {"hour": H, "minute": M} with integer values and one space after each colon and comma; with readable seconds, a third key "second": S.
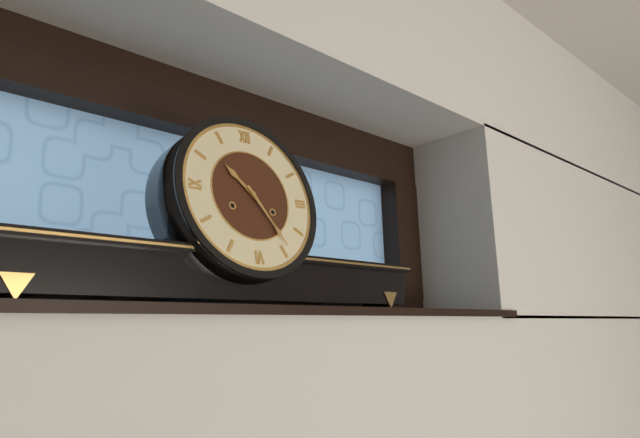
{"hour": 10, "minute": 24}
